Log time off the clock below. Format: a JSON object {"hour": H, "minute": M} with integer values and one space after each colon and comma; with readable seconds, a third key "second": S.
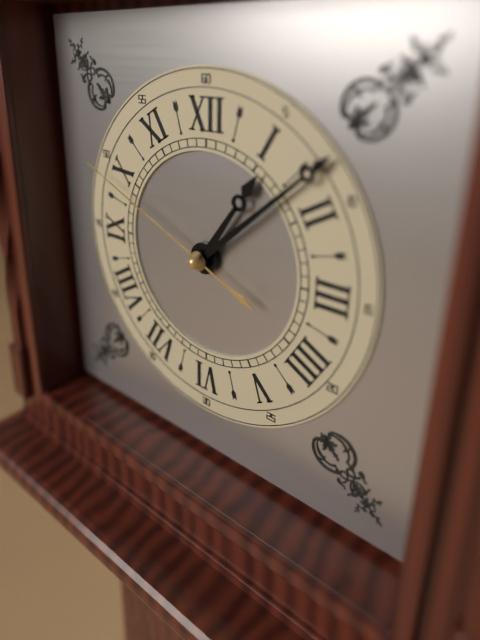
{"hour": 1, "minute": 8, "second": 49}
